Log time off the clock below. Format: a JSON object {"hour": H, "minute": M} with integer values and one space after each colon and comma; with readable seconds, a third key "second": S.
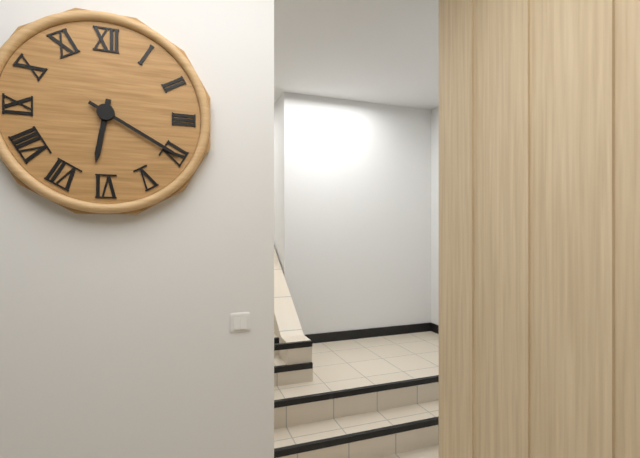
{"hour": 6, "minute": 20}
